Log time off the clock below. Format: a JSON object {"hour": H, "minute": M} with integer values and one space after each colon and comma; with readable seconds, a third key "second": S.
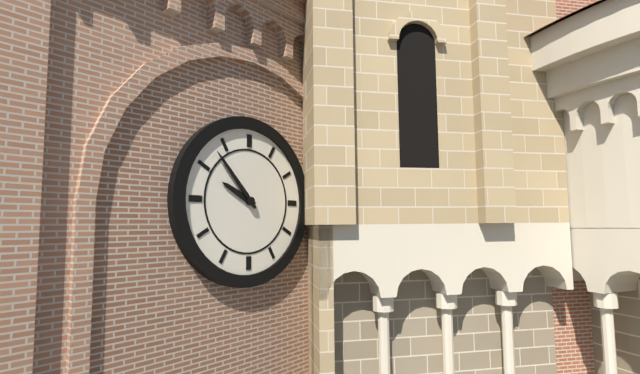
{"hour": 9, "minute": 53}
